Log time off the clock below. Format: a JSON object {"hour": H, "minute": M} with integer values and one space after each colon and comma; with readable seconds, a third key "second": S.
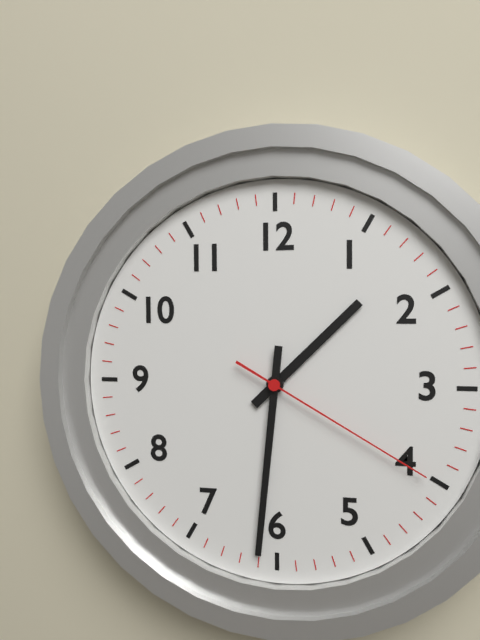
{"hour": 1, "minute": 31, "second": 20}
